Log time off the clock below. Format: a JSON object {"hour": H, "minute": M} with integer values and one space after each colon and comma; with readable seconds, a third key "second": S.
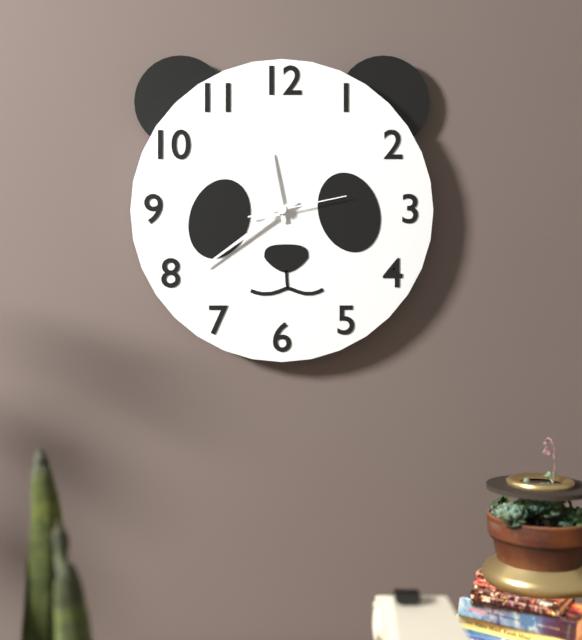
{"hour": 11, "minute": 39, "second": 13}
